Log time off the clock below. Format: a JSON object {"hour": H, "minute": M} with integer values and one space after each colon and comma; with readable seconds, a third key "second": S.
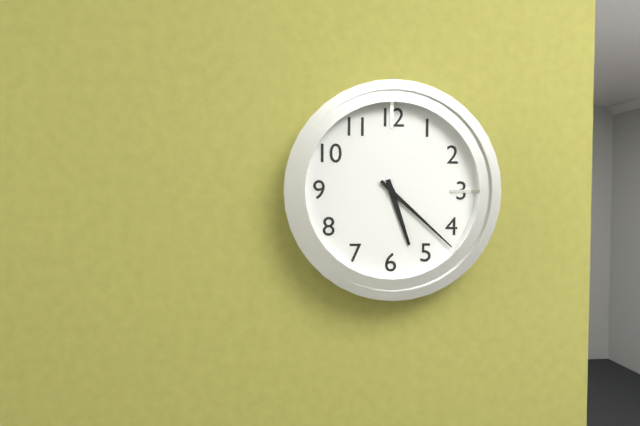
{"hour": 5, "minute": 22}
